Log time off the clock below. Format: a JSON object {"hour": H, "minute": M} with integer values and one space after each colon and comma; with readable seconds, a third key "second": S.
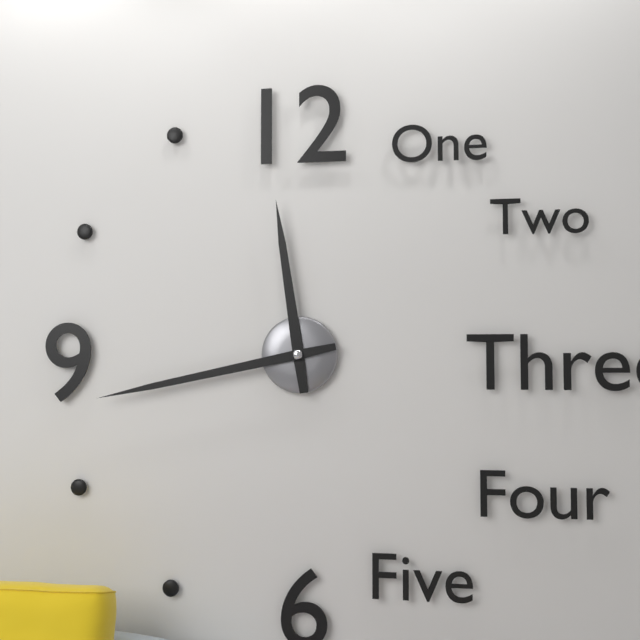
{"hour": 11, "minute": 43}
